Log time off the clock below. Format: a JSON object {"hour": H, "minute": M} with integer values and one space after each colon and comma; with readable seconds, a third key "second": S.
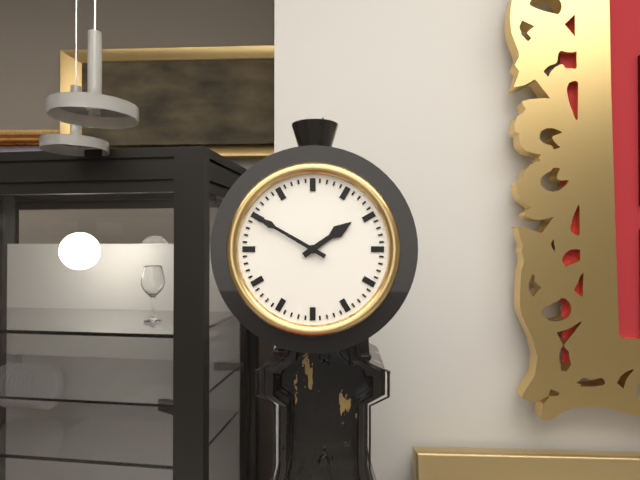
{"hour": 1, "minute": 50}
